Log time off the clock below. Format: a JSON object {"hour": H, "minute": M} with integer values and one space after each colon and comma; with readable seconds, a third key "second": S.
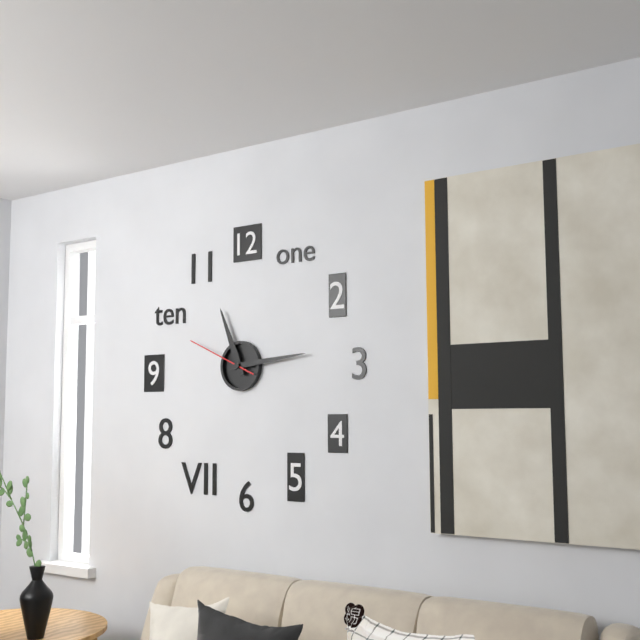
{"hour": 11, "minute": 14, "second": 49}
